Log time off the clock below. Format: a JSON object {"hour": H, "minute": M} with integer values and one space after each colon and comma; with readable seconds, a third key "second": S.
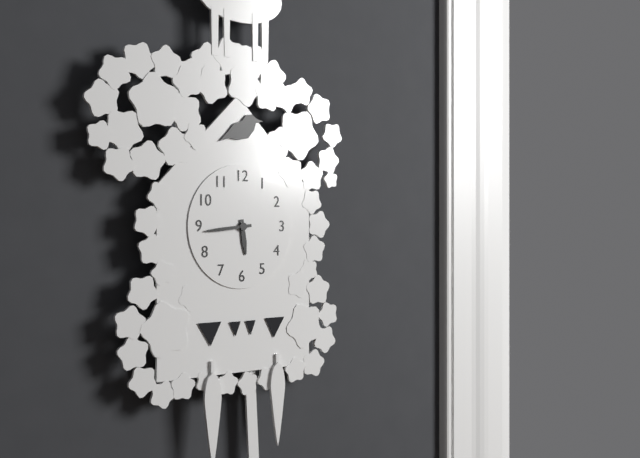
{"hour": 5, "minute": 44}
